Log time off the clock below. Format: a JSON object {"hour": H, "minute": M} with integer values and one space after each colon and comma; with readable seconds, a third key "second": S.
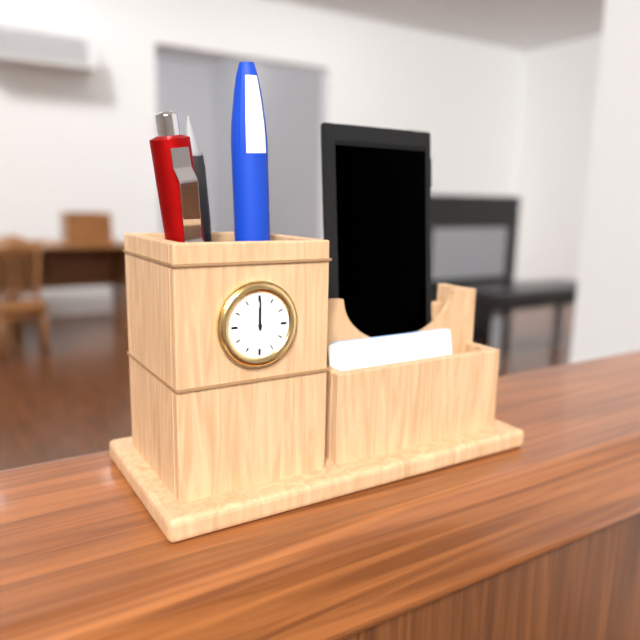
{"hour": 12, "minute": 0}
